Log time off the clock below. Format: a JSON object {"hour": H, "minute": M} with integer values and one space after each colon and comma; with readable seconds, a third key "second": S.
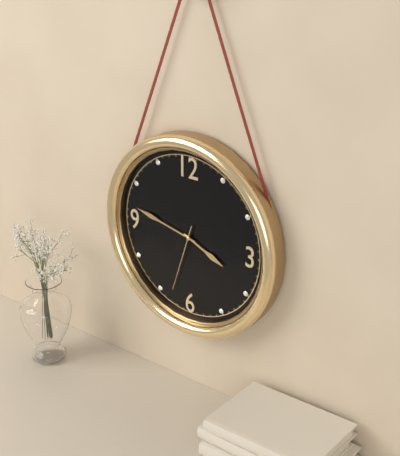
{"hour": 3, "minute": 47, "second": 33}
